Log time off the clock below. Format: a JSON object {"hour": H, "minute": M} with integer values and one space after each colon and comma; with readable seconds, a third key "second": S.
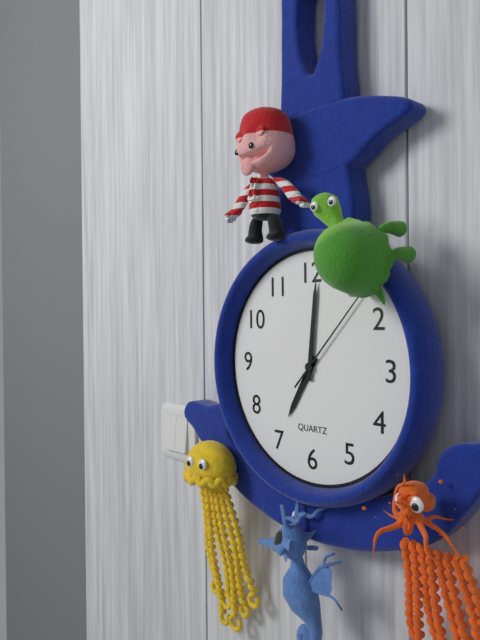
{"hour": 7, "minute": 1, "second": 7}
